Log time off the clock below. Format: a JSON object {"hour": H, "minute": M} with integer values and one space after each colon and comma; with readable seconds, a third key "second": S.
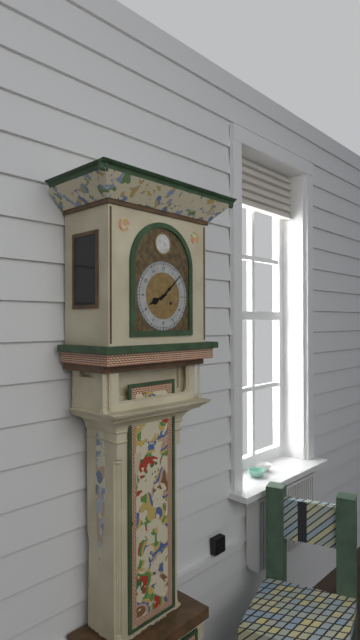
{"hour": 8, "minute": 8}
